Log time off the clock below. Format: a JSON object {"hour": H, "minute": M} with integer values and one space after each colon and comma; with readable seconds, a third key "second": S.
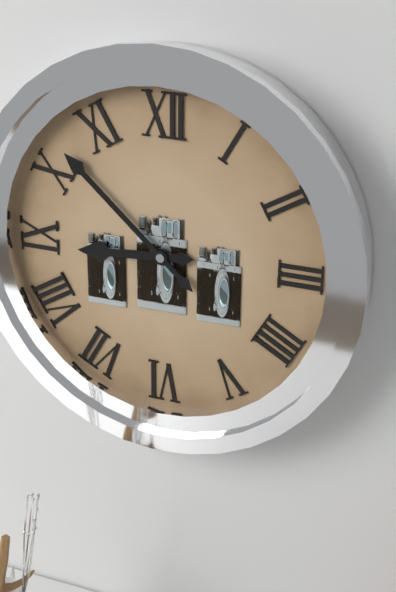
{"hour": 8, "minute": 52}
